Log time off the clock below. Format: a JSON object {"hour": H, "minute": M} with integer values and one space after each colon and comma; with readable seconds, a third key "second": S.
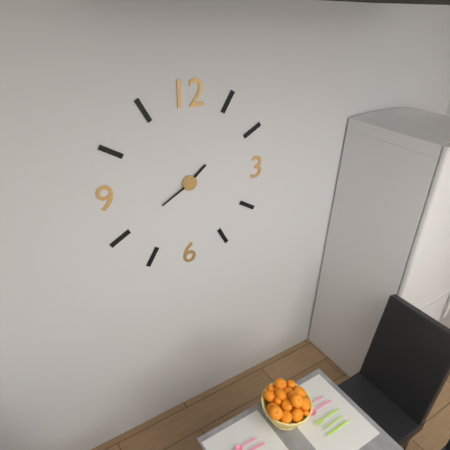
{"hour": 1, "minute": 40}
